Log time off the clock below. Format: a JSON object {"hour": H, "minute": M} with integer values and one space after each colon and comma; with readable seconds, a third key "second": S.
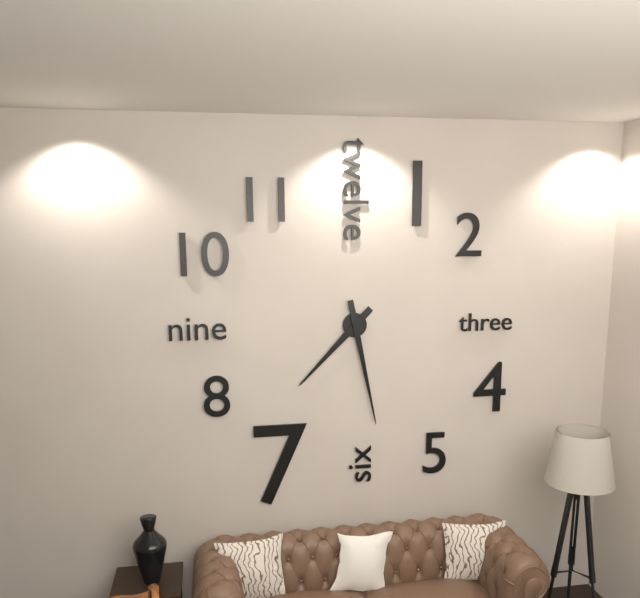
{"hour": 7, "minute": 28}
